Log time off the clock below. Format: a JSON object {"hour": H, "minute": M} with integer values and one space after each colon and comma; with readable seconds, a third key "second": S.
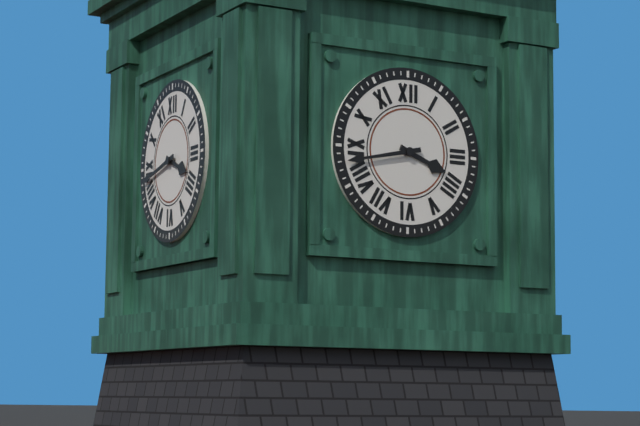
{"hour": 3, "minute": 43}
